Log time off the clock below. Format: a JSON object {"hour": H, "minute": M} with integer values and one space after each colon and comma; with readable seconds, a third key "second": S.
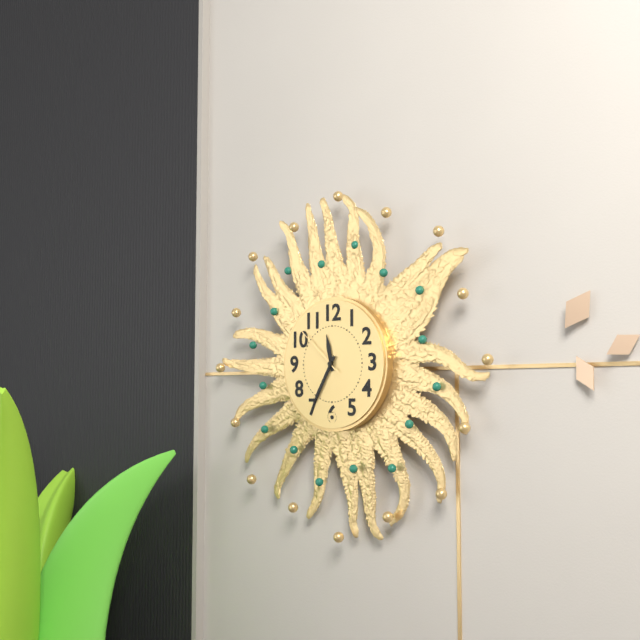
{"hour": 11, "minute": 35, "second": 52}
